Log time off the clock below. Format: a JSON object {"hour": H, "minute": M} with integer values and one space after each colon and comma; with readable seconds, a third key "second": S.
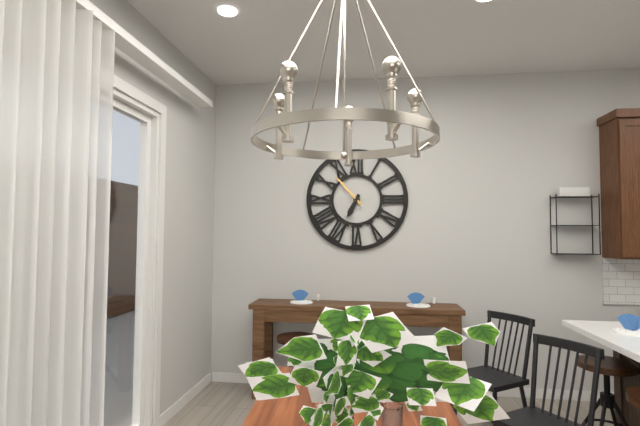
{"hour": 6, "minute": 53}
